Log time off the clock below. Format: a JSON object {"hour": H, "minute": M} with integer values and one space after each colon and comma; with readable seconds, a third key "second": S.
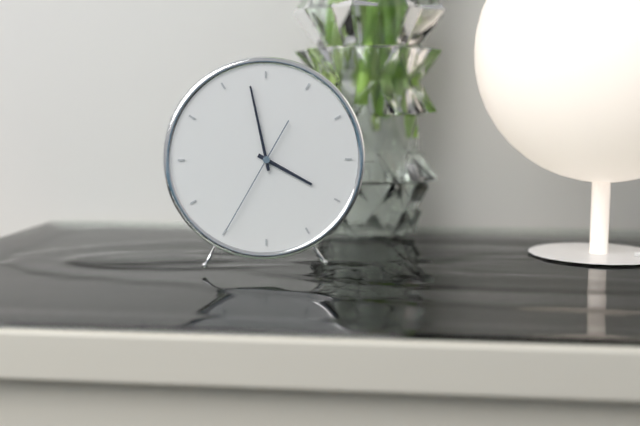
{"hour": 3, "minute": 58, "second": 35}
